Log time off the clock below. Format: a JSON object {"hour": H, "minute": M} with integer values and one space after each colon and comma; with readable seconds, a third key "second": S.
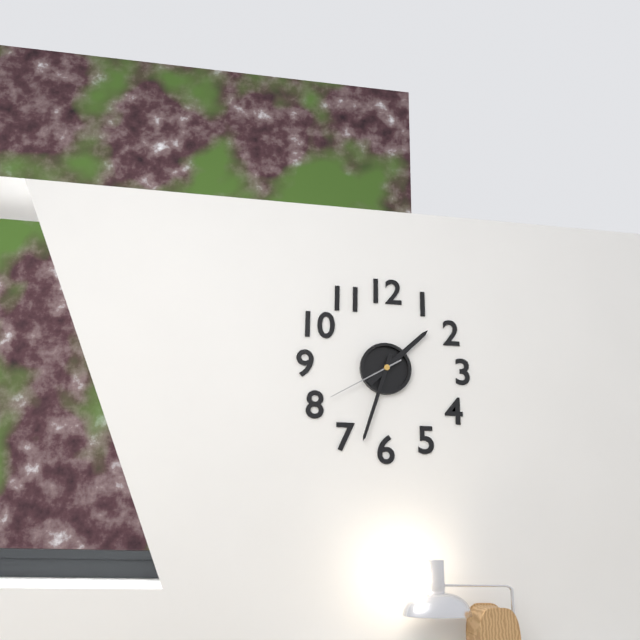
{"hour": 1, "minute": 33, "second": 40}
